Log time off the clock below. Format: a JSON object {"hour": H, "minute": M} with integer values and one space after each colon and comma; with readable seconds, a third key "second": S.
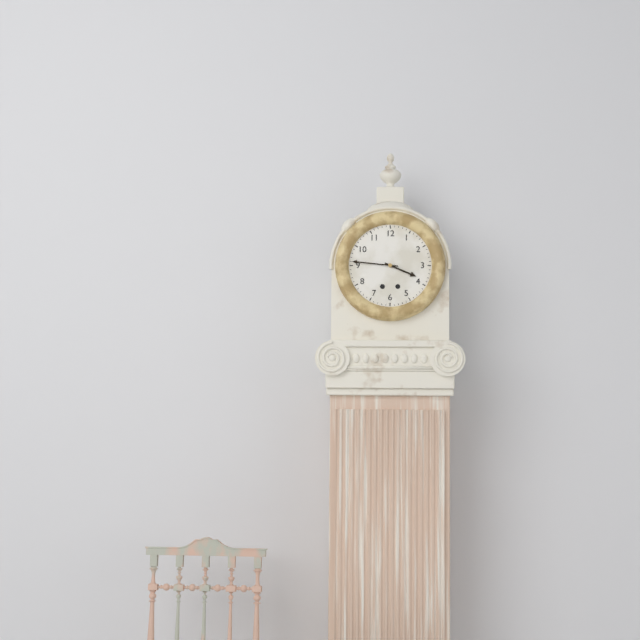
{"hour": 3, "minute": 46}
